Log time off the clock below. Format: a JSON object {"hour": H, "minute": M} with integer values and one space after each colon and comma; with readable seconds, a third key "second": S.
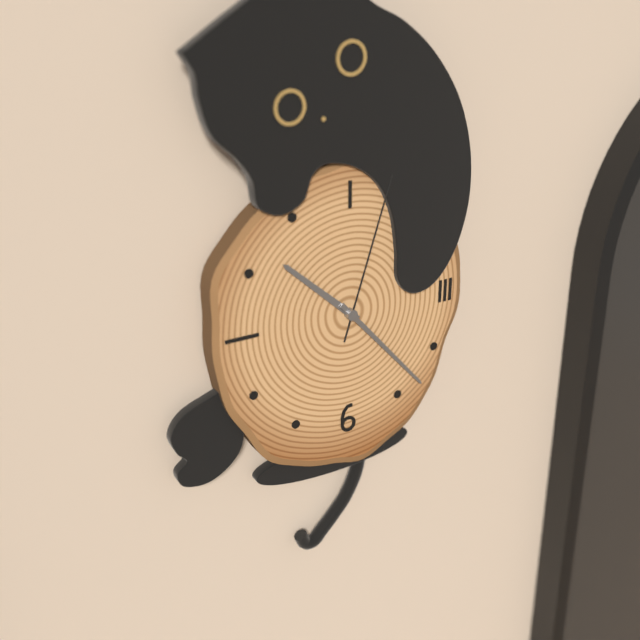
{"hour": 10, "minute": 23, "second": 3}
